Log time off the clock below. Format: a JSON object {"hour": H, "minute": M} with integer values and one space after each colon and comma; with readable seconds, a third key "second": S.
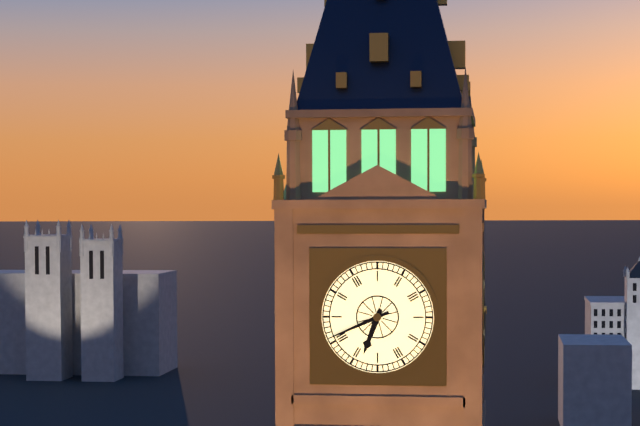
{"hour": 6, "minute": 41}
